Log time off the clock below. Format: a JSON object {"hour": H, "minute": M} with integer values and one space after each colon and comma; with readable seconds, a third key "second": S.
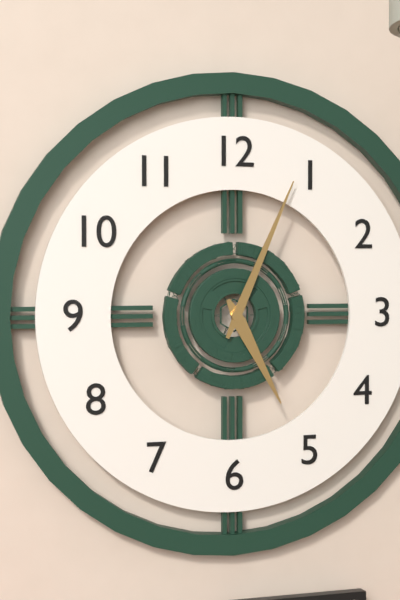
{"hour": 5, "minute": 4}
